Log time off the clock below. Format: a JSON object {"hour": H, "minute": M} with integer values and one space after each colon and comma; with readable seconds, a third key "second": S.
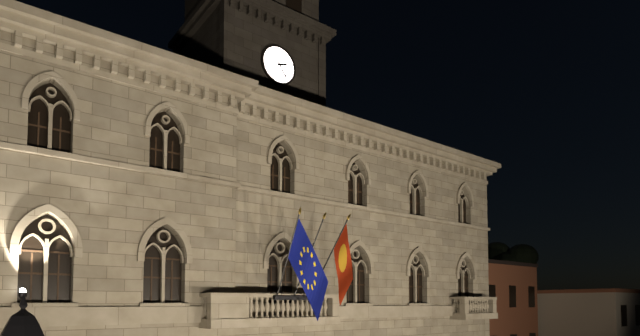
{"hour": 2, "minute": 24}
